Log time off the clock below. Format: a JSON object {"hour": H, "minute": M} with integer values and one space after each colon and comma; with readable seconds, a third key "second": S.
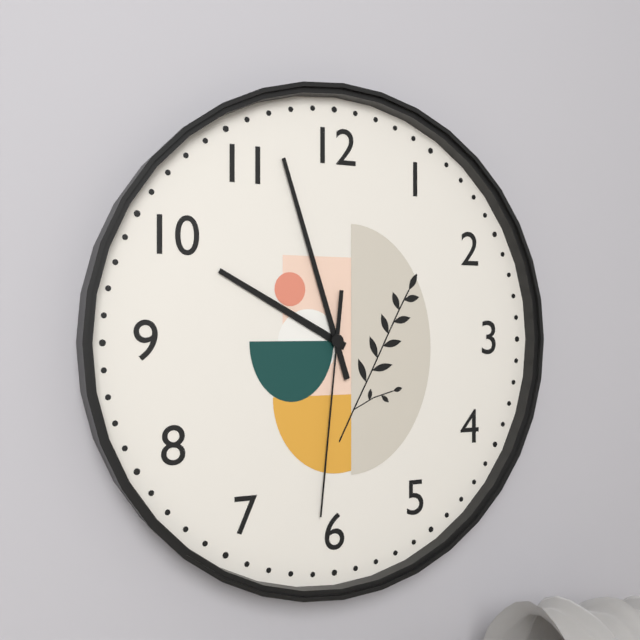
{"hour": 9, "minute": 57, "second": 31}
